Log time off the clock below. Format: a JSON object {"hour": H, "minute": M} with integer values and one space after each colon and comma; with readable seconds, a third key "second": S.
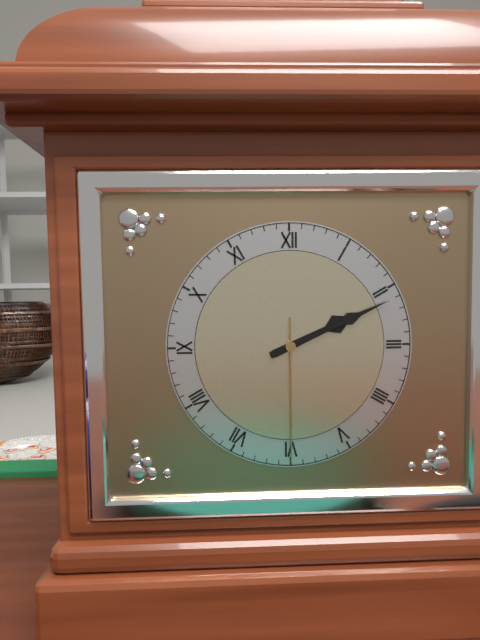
{"hour": 2, "minute": 11, "second": 30}
